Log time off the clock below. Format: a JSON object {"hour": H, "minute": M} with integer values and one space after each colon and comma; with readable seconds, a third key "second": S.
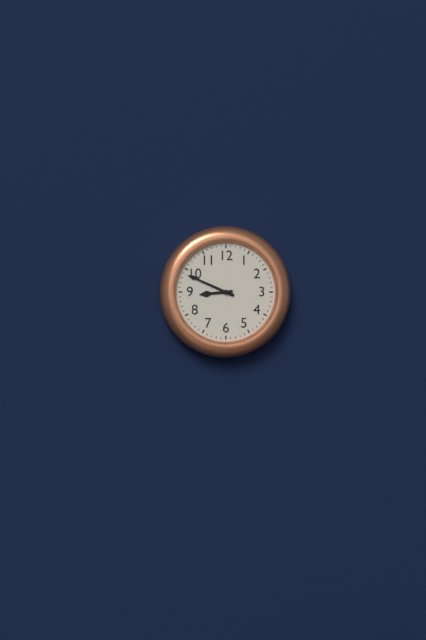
{"hour": 8, "minute": 49}
